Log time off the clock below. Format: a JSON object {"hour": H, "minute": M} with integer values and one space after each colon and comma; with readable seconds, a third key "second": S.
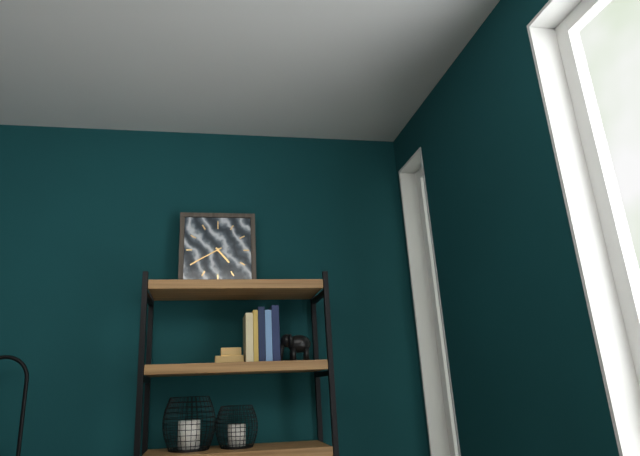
{"hour": 4, "minute": 40}
